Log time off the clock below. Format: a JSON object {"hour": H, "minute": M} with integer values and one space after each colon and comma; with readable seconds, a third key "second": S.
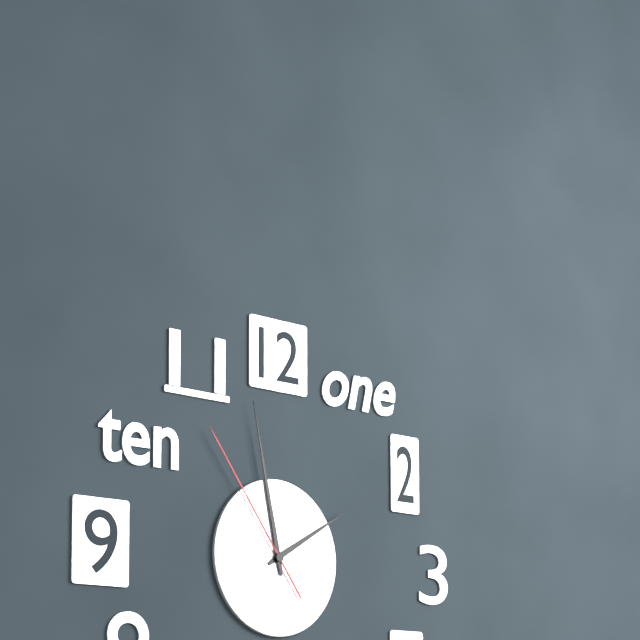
{"hour": 1, "minute": 58, "second": 54}
